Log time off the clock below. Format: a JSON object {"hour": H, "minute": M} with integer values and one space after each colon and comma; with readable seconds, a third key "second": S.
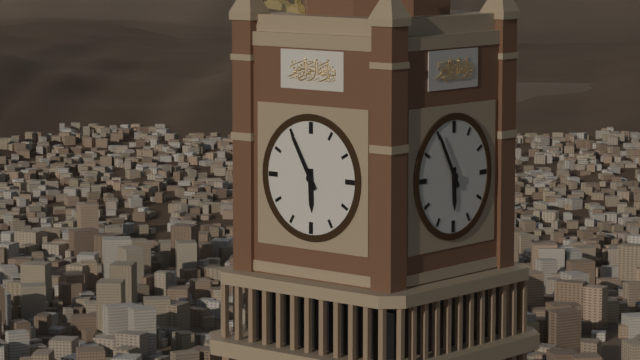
{"hour": 5, "minute": 55}
